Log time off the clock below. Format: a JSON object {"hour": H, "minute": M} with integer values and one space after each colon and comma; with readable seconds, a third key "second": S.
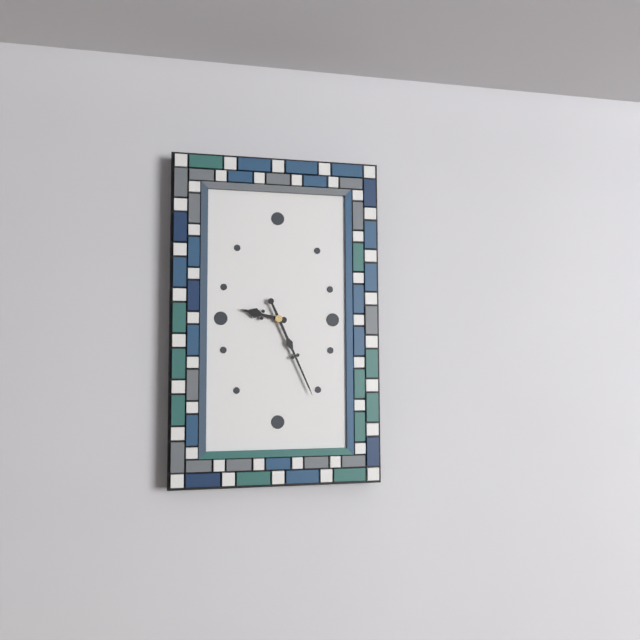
{"hour": 9, "minute": 26}
